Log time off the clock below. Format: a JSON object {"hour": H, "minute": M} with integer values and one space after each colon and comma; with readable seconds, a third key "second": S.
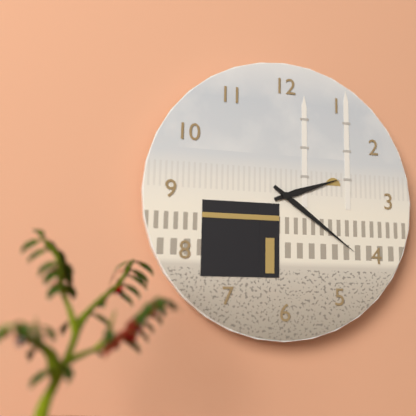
{"hour": 2, "minute": 21}
